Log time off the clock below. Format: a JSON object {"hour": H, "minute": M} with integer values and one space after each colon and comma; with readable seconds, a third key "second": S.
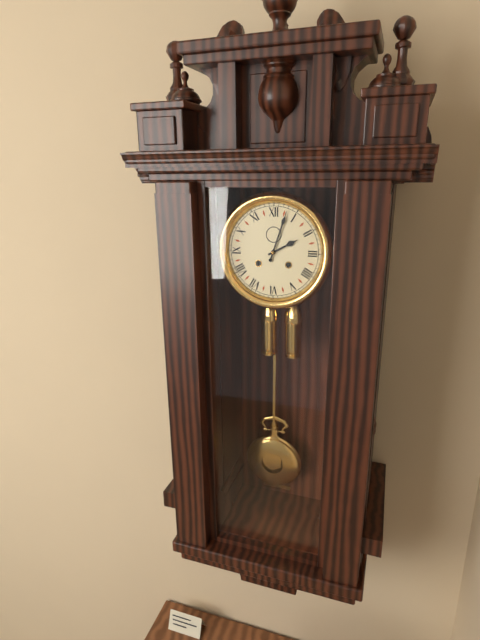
{"hour": 2, "minute": 3}
